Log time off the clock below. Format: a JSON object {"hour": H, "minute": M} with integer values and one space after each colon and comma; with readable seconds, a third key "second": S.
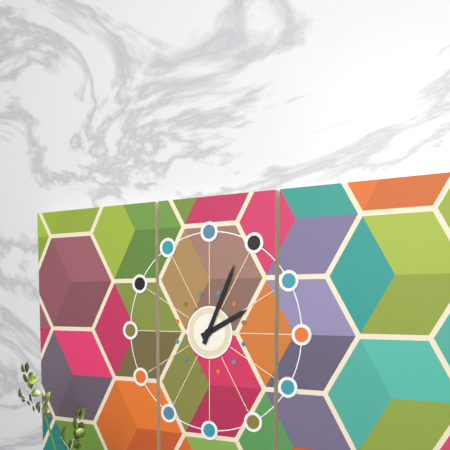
{"hour": 2, "minute": 4}
